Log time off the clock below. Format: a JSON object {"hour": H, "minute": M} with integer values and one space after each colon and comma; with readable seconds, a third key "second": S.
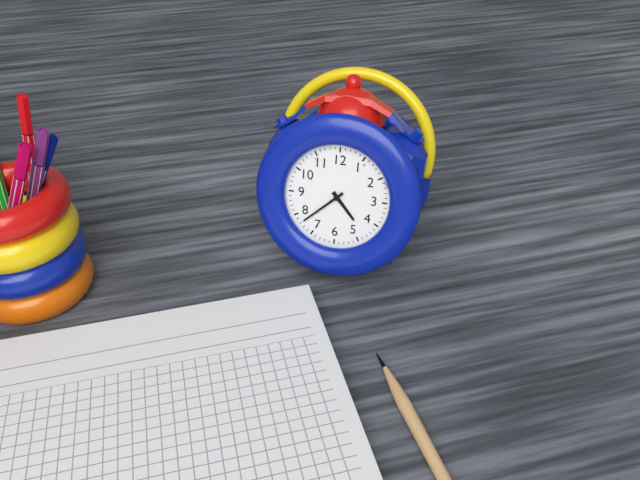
{"hour": 4, "minute": 38}
